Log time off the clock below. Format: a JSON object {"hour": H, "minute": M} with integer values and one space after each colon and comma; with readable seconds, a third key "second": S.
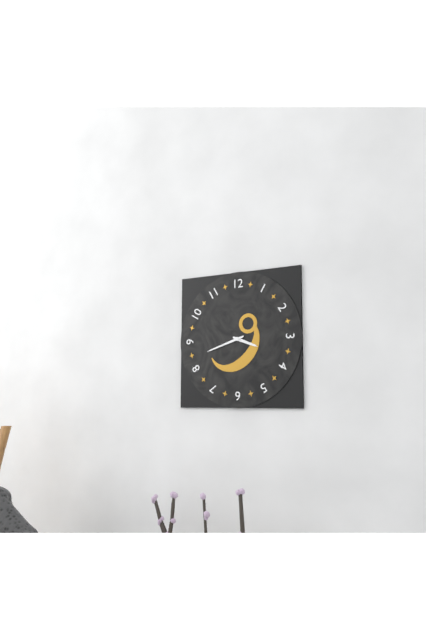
{"hour": 3, "minute": 42}
